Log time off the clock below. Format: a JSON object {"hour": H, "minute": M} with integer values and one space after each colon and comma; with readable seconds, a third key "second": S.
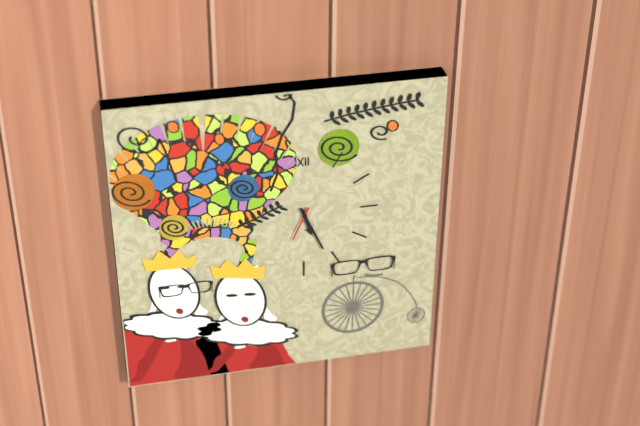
{"hour": 5, "minute": 26}
